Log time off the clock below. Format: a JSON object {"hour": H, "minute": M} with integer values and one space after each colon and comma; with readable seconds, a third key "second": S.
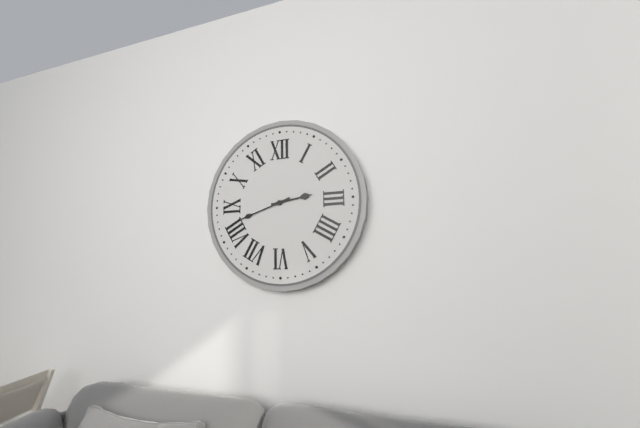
{"hour": 2, "minute": 42}
